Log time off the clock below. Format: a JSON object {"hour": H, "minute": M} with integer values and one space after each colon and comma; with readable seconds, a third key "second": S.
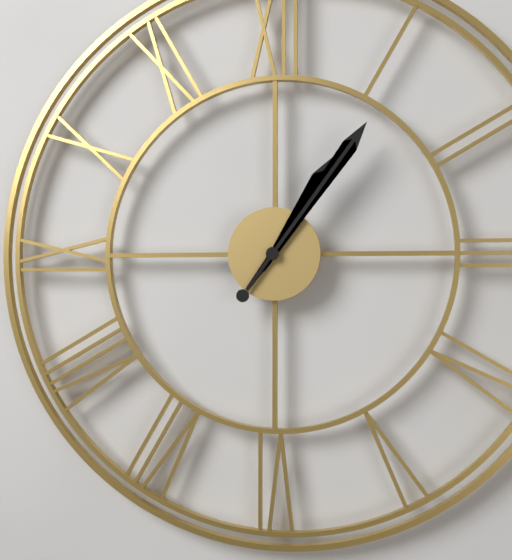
{"hour": 1, "minute": 6}
